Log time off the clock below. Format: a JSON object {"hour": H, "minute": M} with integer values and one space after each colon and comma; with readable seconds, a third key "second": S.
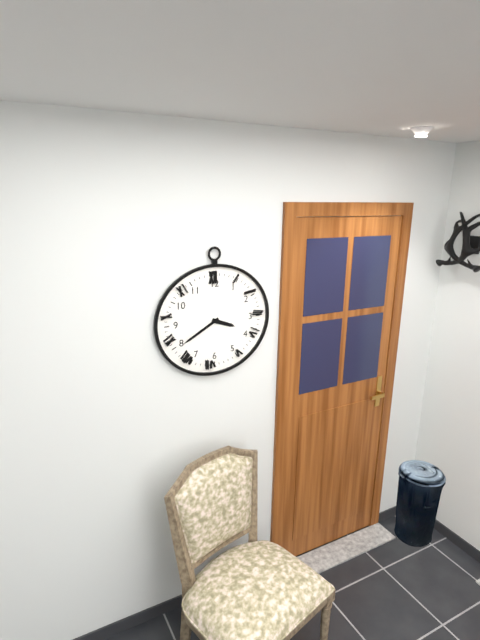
{"hour": 3, "minute": 40}
